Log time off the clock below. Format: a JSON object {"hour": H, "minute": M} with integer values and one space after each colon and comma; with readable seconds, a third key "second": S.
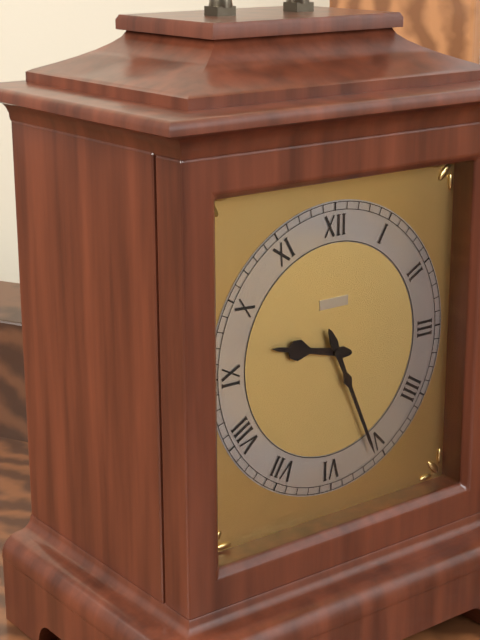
{"hour": 9, "minute": 26}
